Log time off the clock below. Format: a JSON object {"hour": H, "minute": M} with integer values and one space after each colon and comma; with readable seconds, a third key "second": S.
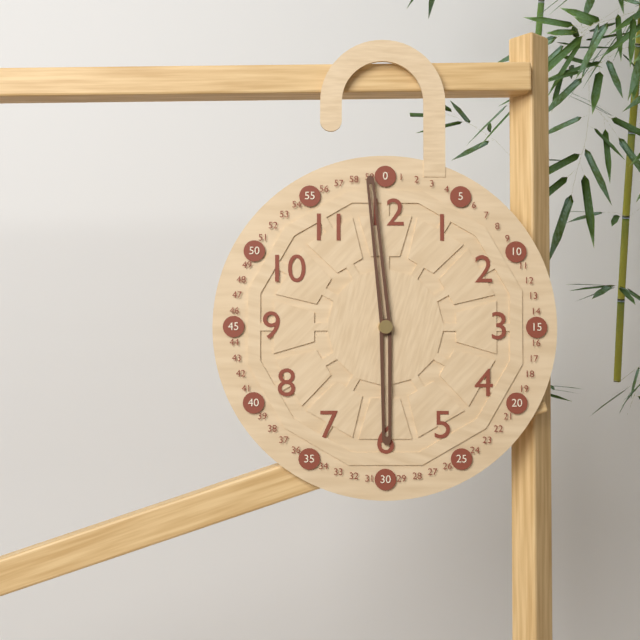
{"hour": 5, "minute": 59}
